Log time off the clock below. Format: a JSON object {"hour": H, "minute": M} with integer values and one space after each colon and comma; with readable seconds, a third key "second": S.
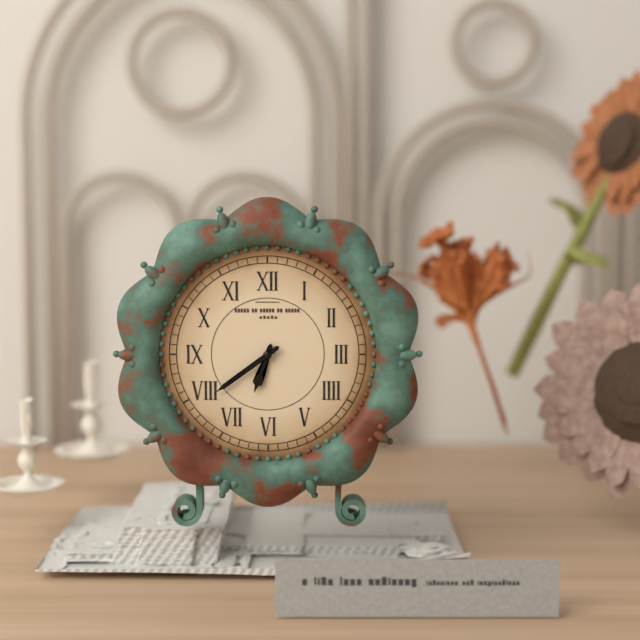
{"hour": 6, "minute": 39}
